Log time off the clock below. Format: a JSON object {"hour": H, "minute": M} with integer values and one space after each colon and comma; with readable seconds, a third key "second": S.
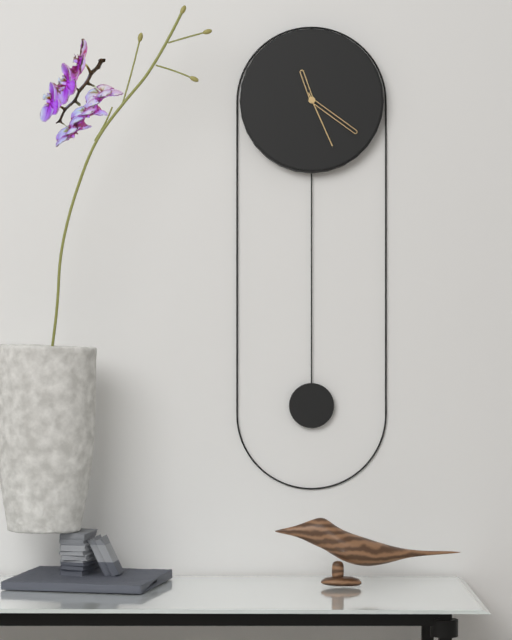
{"hour": 11, "minute": 21, "second": 26}
